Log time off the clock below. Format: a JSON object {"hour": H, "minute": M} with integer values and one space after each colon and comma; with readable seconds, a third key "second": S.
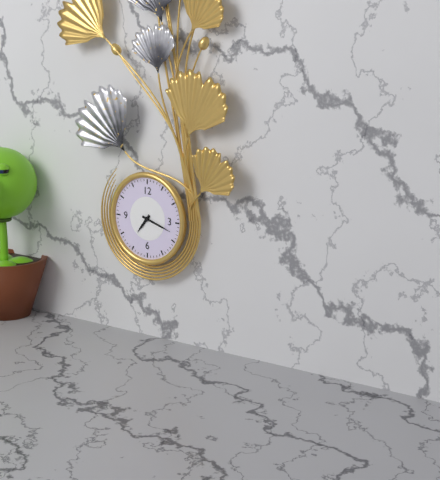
{"hour": 7, "minute": 18}
